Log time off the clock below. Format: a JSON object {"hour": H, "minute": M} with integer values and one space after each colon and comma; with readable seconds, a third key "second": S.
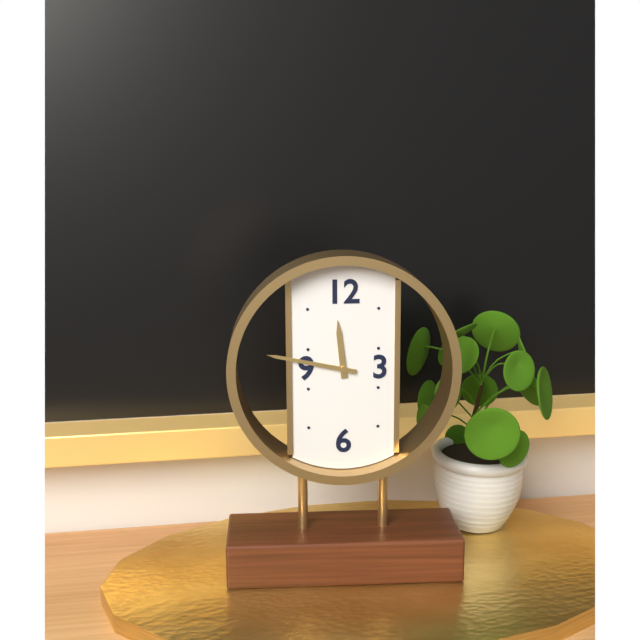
{"hour": 11, "minute": 47}
